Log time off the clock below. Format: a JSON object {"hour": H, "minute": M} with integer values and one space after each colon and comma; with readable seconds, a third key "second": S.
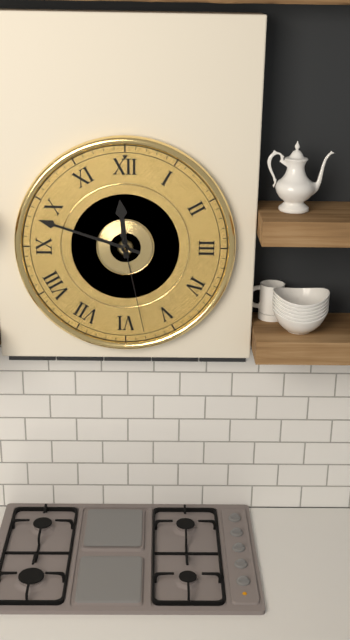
{"hour": 11, "minute": 48, "second": 28}
